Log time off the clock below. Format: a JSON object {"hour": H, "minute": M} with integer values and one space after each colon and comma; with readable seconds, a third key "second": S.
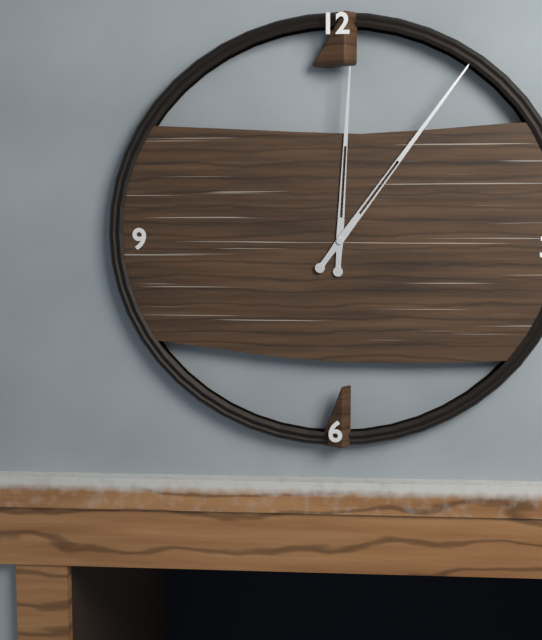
{"hour": 12, "minute": 6}
